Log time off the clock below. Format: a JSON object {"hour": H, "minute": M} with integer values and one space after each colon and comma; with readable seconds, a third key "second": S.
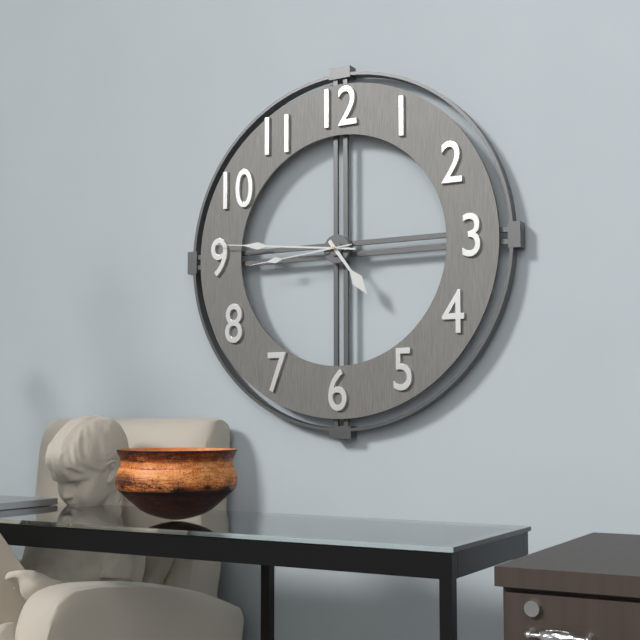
{"hour": 4, "minute": 46, "second": 44}
